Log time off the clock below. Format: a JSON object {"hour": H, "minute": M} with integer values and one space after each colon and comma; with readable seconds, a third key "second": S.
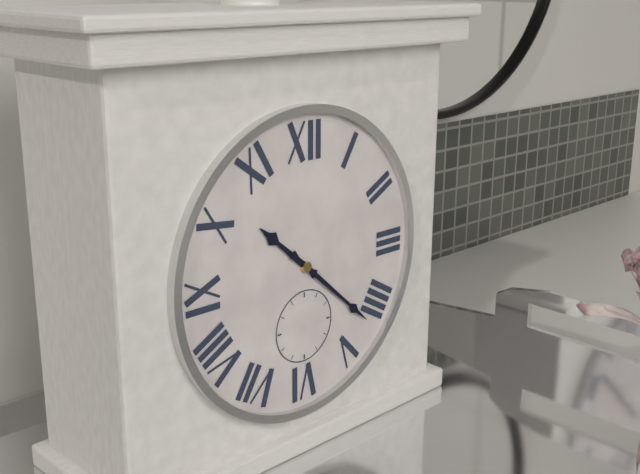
{"hour": 10, "minute": 22}
